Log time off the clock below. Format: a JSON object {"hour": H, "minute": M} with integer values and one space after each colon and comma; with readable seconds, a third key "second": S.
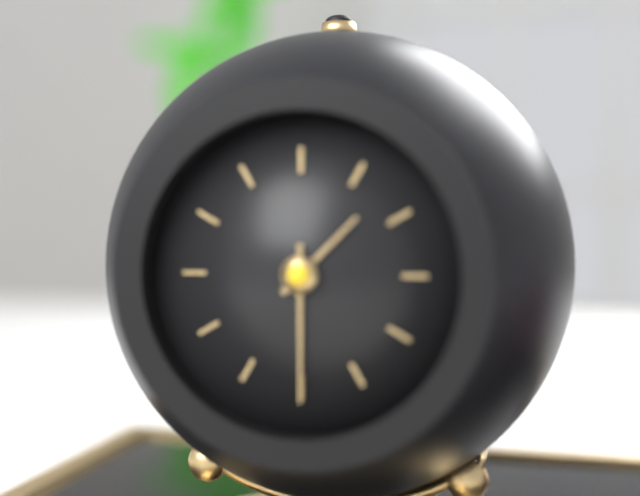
{"hour": 1, "minute": 30}
